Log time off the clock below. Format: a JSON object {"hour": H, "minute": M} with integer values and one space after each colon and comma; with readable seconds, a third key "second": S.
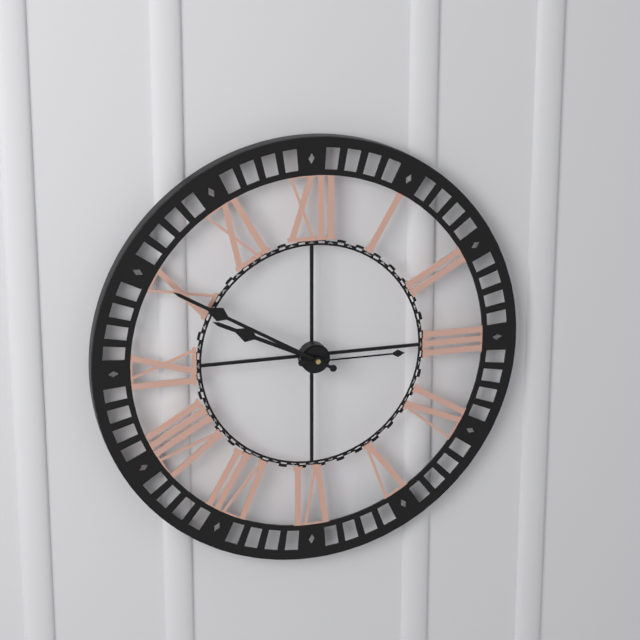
{"hour": 9, "minute": 50, "second": 15}
